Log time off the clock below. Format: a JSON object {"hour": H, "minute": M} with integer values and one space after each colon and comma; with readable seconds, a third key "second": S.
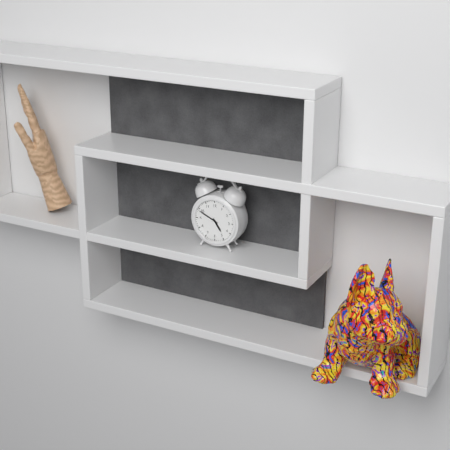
{"hour": 4, "minute": 49}
